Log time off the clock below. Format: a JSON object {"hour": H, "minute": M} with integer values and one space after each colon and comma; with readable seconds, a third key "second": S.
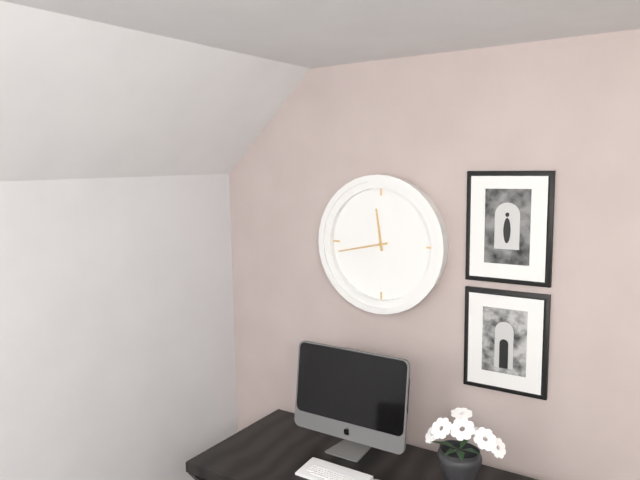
{"hour": 11, "minute": 43}
